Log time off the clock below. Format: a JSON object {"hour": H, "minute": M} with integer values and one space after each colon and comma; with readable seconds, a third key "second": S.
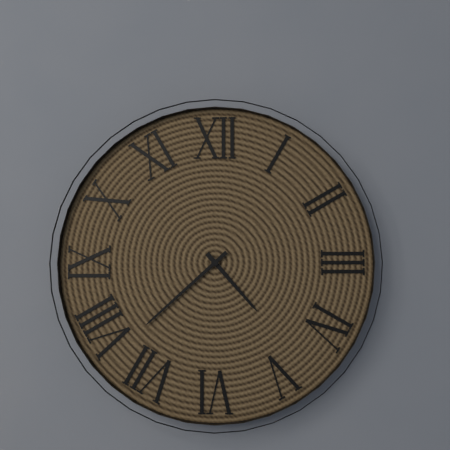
{"hour": 4, "minute": 38}
